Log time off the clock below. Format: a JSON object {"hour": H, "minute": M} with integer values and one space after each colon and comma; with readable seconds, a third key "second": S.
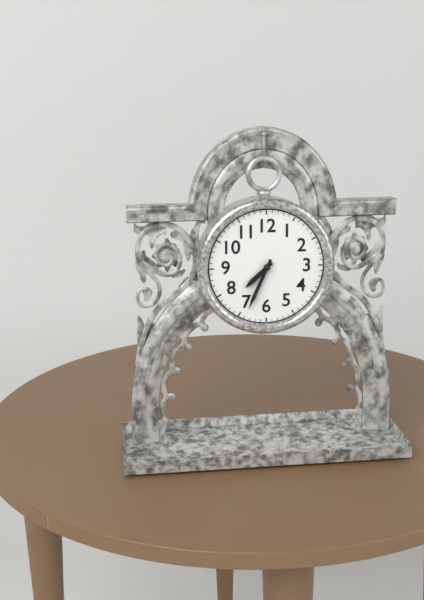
{"hour": 7, "minute": 34}
